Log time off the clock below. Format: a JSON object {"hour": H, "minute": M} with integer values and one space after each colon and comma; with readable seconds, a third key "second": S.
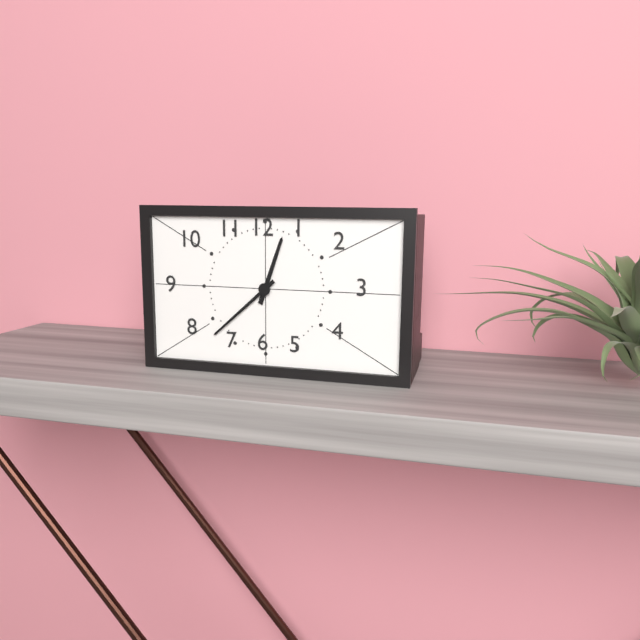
{"hour": 12, "minute": 38}
